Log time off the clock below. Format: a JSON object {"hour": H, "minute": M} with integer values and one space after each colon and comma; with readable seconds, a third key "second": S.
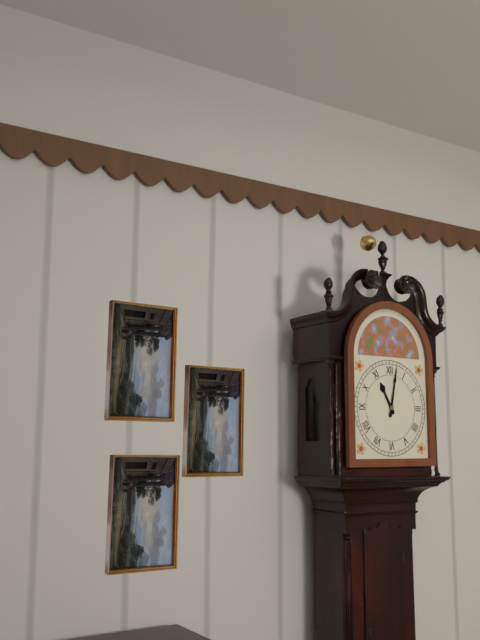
{"hour": 11, "minute": 2}
